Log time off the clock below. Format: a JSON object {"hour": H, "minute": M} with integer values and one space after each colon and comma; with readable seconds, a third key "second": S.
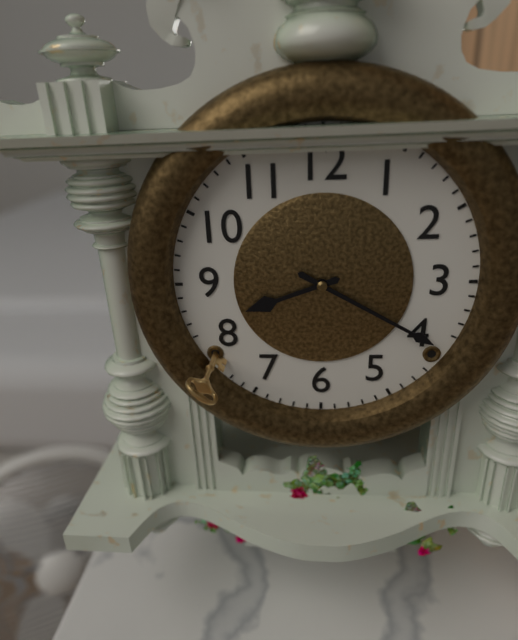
{"hour": 8, "minute": 20}
